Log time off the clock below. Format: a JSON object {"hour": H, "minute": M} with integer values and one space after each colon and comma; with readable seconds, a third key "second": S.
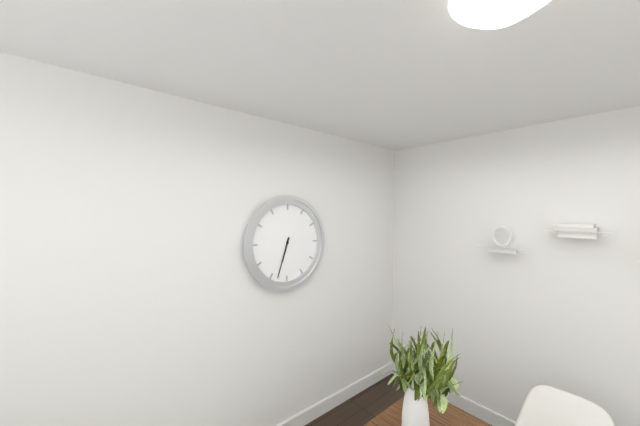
{"hour": 6, "minute": 33}
